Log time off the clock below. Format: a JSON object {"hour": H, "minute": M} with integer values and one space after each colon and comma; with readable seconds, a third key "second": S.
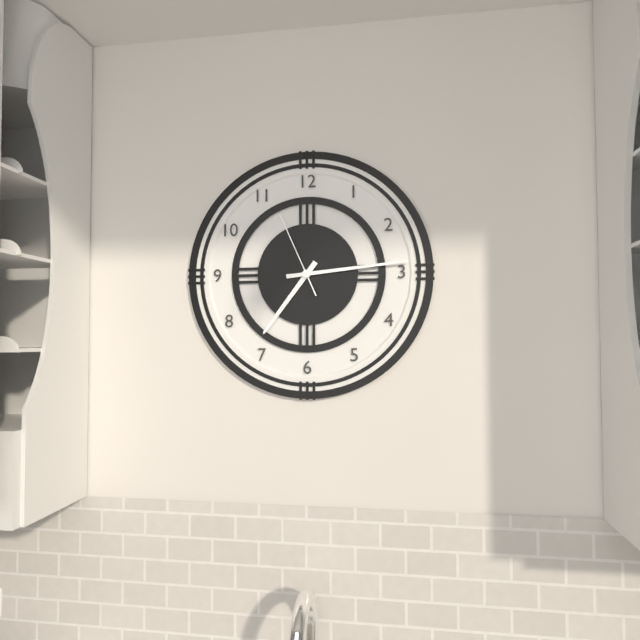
{"hour": 7, "minute": 14, "second": 56}
